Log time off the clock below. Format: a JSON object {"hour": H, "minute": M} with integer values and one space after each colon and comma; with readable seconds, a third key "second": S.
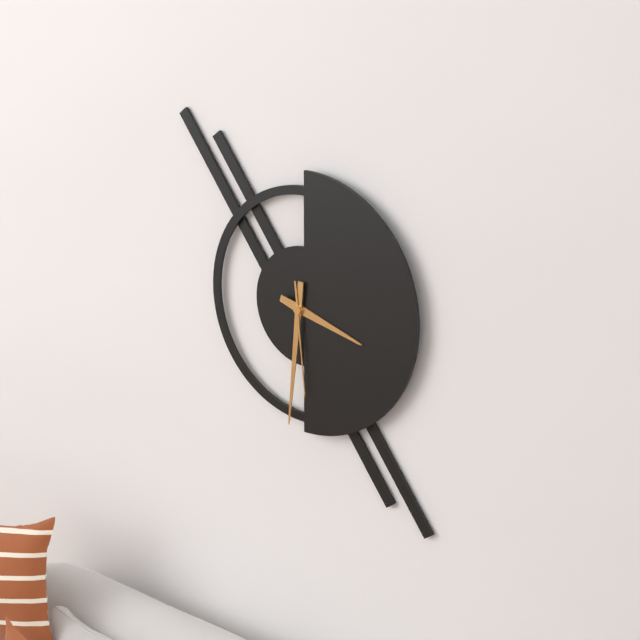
{"hour": 3, "minute": 31, "second": 29}
